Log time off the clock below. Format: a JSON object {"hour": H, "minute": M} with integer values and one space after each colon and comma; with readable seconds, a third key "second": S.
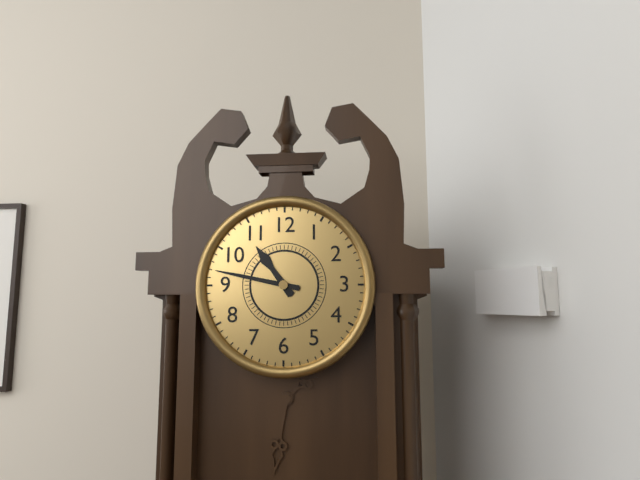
{"hour": 10, "minute": 47}
